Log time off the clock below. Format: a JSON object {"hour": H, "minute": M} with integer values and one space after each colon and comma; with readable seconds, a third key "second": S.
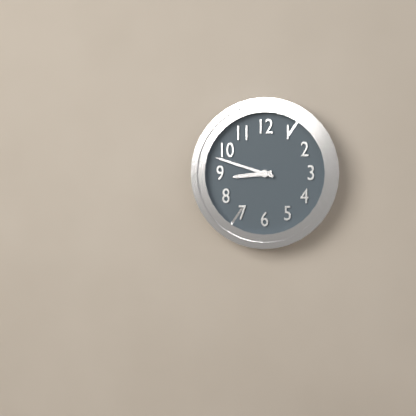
{"hour": 8, "minute": 48}
